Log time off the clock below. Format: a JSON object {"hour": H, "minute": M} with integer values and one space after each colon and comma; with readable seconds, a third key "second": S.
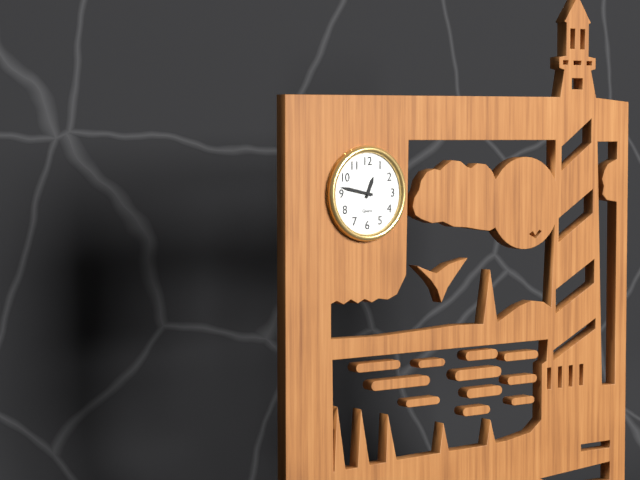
{"hour": 12, "minute": 47}
